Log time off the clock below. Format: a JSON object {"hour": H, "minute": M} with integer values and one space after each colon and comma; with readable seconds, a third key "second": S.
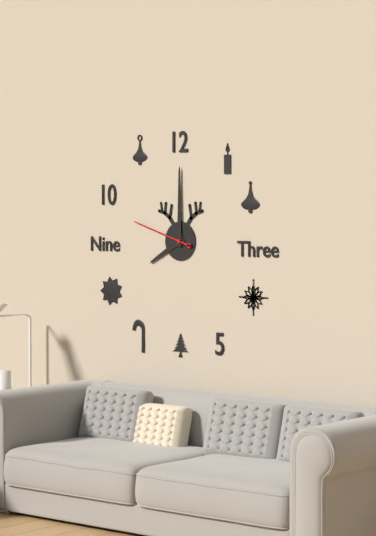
{"hour": 8, "minute": 0, "second": 48}
